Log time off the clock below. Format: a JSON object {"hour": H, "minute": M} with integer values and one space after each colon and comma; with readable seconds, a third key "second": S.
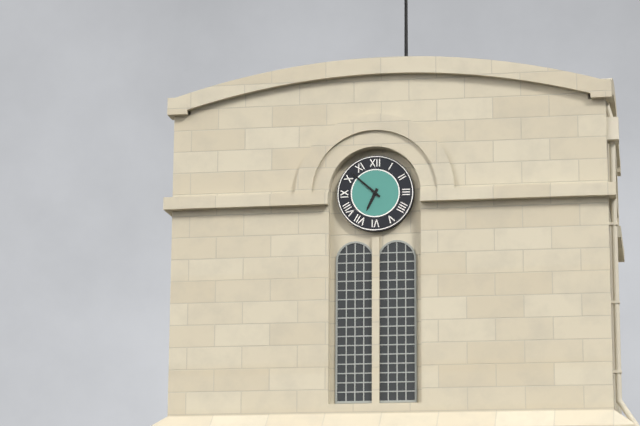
{"hour": 6, "minute": 52}
